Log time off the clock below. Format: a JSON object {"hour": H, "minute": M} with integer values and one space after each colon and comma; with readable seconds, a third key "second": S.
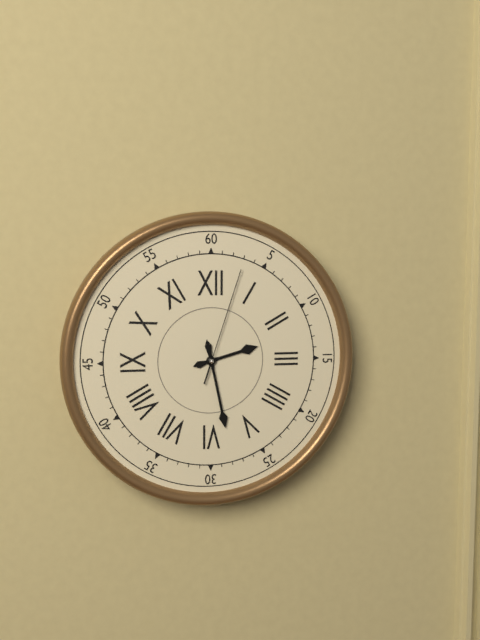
{"hour": 2, "minute": 28, "second": 3}
